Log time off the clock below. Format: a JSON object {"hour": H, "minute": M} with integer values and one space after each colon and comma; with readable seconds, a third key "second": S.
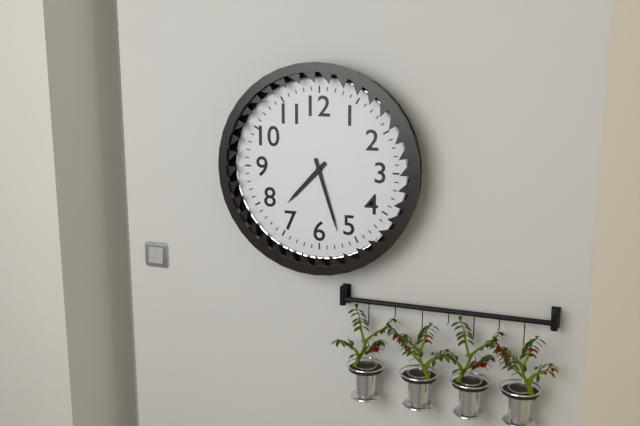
{"hour": 7, "minute": 27}
